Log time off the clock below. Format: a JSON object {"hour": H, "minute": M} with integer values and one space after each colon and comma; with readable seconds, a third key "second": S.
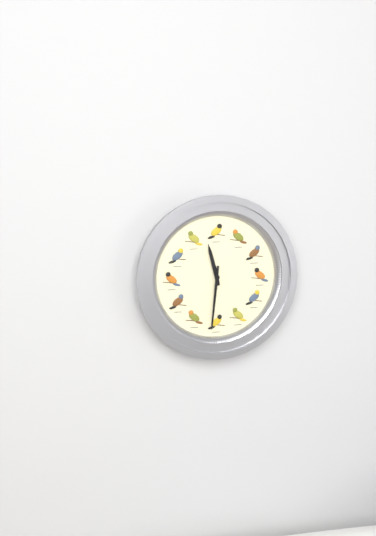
{"hour": 11, "minute": 31}
